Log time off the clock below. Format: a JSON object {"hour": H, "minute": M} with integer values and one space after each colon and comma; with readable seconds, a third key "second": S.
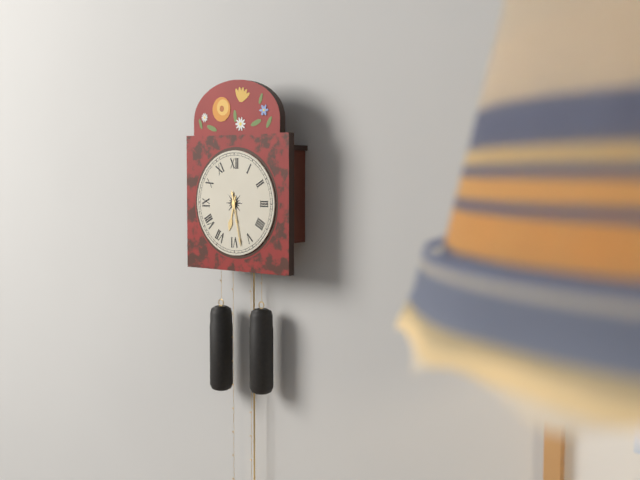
{"hour": 6, "minute": 28}
